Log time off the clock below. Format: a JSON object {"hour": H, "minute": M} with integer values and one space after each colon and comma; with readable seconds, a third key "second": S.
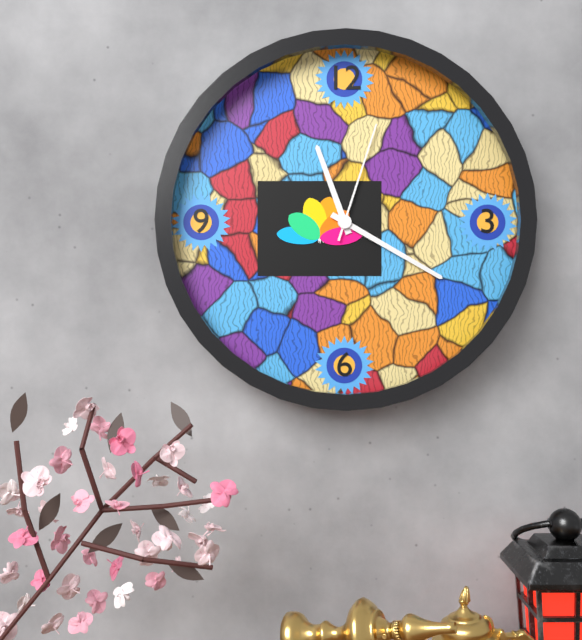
{"hour": 11, "minute": 20, "second": 3}
